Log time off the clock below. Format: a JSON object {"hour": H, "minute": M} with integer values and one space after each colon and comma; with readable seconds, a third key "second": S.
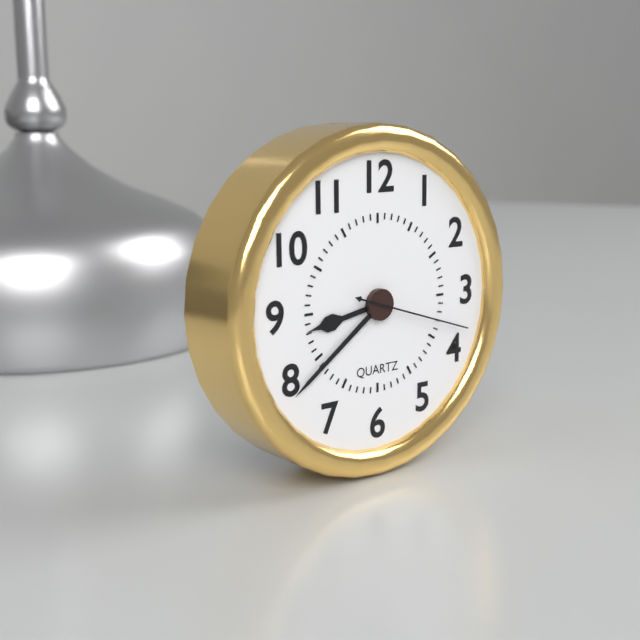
{"hour": 8, "minute": 39, "second": 18}
